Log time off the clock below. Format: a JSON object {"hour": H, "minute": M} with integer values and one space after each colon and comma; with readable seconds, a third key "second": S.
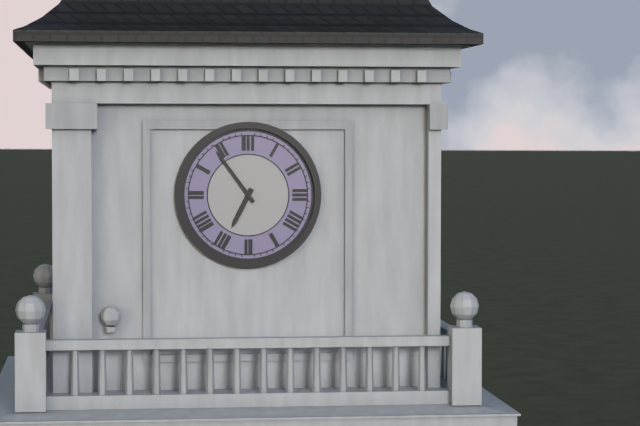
{"hour": 6, "minute": 54}
